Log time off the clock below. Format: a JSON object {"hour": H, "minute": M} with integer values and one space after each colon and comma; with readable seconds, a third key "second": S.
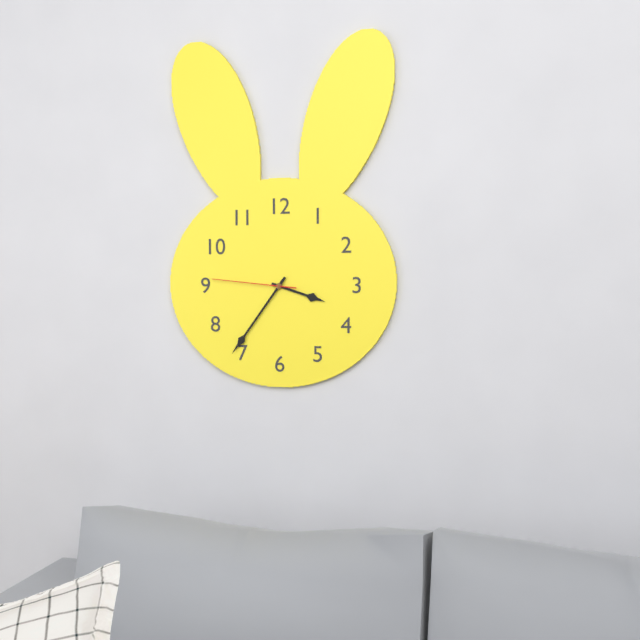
{"hour": 3, "minute": 36, "second": 46}
